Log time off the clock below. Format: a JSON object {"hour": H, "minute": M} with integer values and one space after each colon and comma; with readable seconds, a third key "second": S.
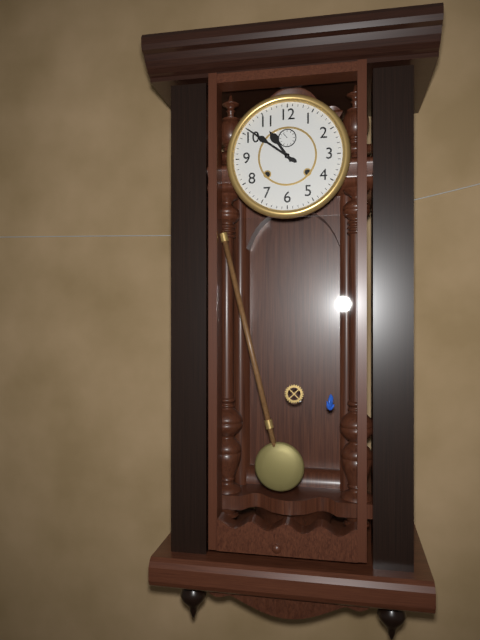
{"hour": 10, "minute": 51}
